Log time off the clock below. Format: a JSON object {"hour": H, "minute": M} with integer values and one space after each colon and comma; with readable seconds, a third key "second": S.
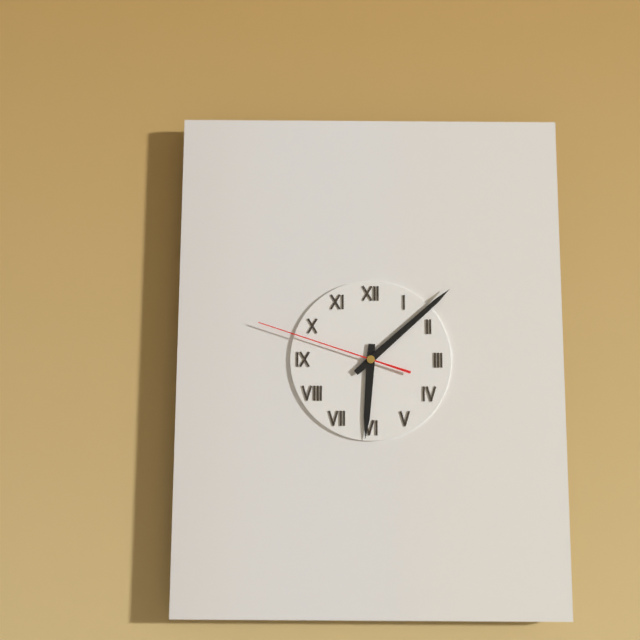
{"hour": 6, "minute": 8, "second": 48}
